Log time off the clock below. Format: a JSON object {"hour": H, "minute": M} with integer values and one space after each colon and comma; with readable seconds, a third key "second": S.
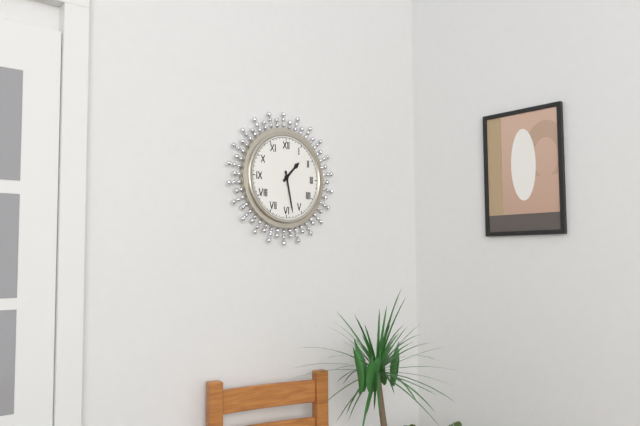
{"hour": 1, "minute": 28}
